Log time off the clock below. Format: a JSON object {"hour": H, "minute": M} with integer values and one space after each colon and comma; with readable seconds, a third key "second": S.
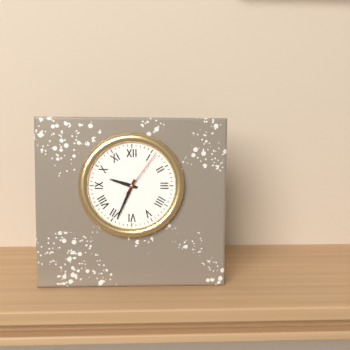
{"hour": 9, "minute": 34}
